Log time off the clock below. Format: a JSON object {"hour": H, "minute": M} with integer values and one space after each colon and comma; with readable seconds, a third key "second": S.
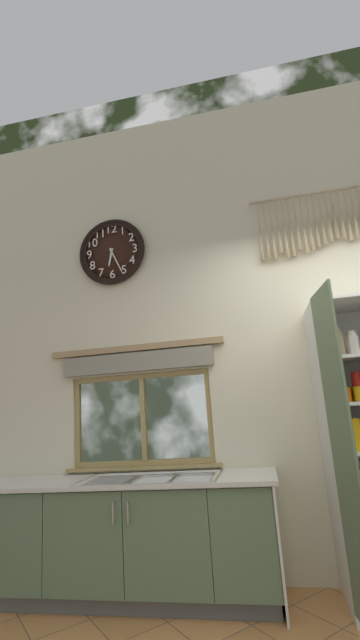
{"hour": 6, "minute": 26}
